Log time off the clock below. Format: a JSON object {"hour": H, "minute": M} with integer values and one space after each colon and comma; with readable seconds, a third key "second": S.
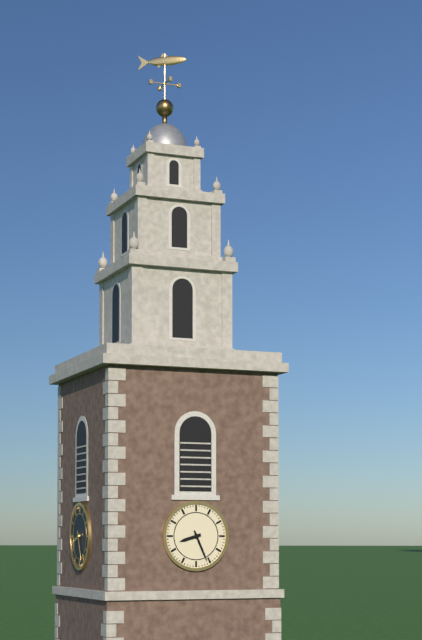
{"hour": 8, "minute": 26}
